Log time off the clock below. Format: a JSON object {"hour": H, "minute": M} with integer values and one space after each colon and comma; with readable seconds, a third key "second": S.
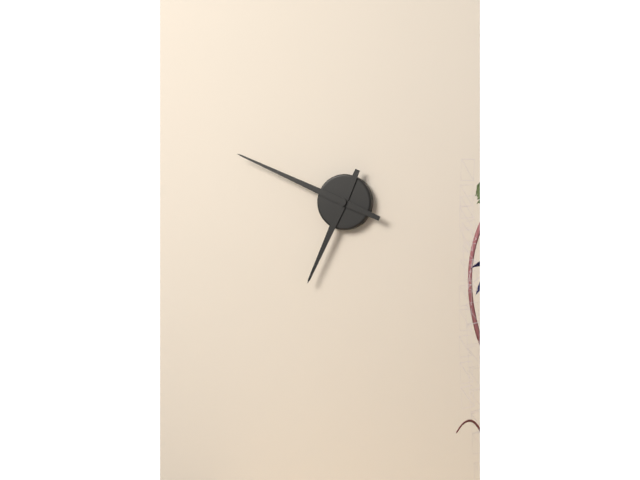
{"hour": 6, "minute": 49}
